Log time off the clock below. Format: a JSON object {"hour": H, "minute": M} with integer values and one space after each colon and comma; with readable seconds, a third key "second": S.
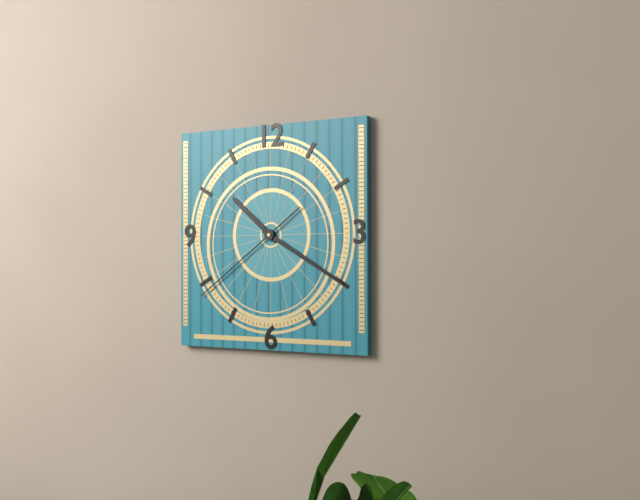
{"hour": 10, "minute": 20, "second": 39}
